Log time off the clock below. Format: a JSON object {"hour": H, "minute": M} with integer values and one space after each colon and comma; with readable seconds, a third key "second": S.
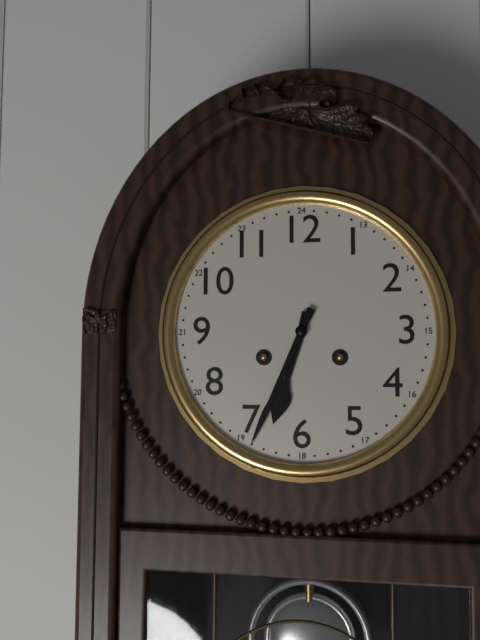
{"hour": 6, "minute": 34}
